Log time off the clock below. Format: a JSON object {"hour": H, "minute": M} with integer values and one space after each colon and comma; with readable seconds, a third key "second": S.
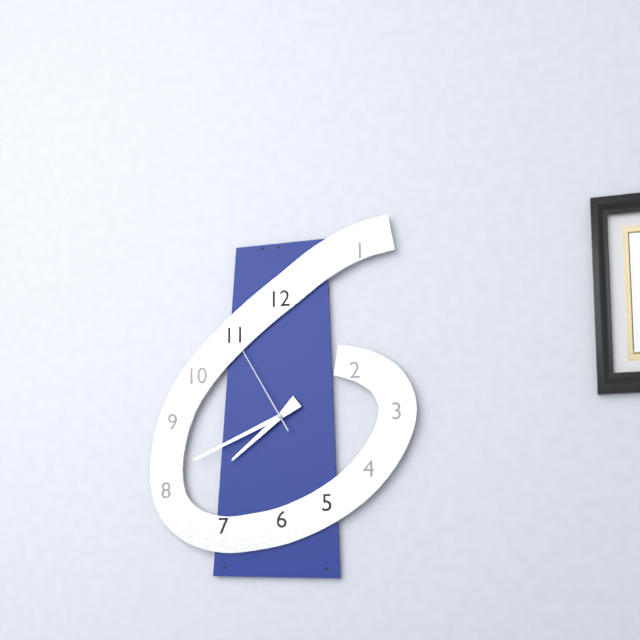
{"hour": 7, "minute": 41, "second": 55}
